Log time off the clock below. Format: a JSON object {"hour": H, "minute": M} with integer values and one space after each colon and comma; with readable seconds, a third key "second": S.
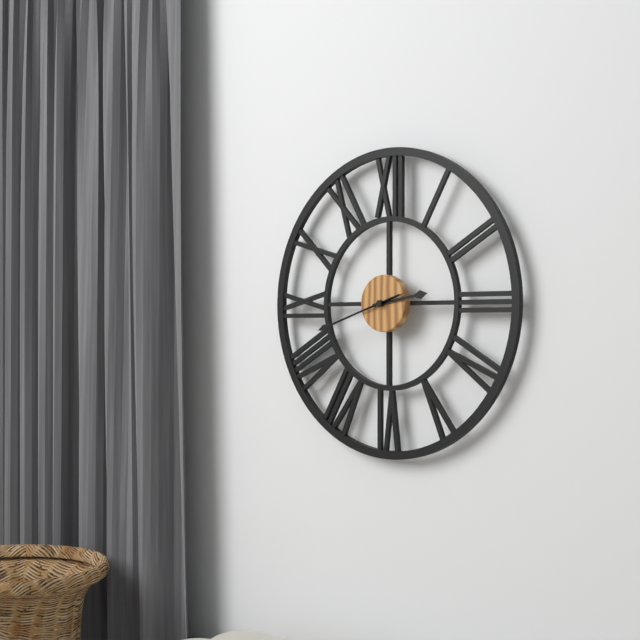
{"hour": 2, "minute": 42}
